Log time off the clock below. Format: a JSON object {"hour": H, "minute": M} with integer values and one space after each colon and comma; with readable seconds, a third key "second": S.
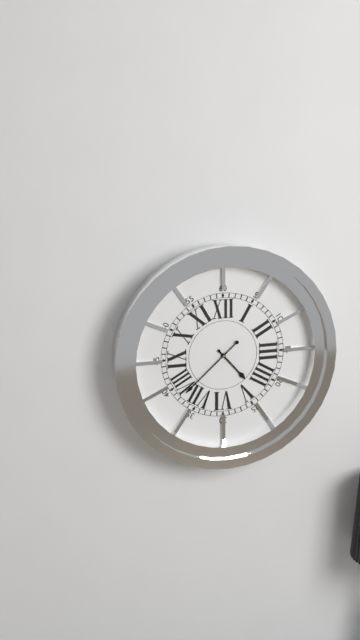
{"hour": 4, "minute": 38}
